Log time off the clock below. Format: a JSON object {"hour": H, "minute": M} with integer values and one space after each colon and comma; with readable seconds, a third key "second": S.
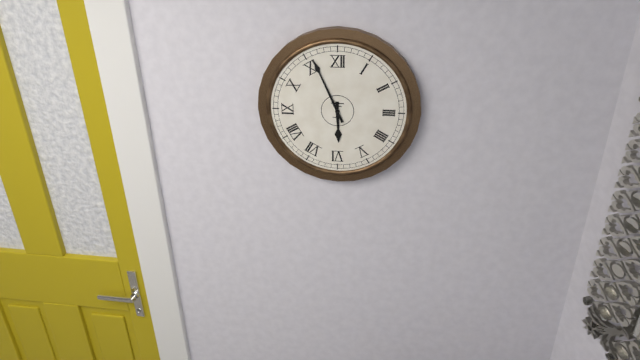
{"hour": 5, "minute": 56}
